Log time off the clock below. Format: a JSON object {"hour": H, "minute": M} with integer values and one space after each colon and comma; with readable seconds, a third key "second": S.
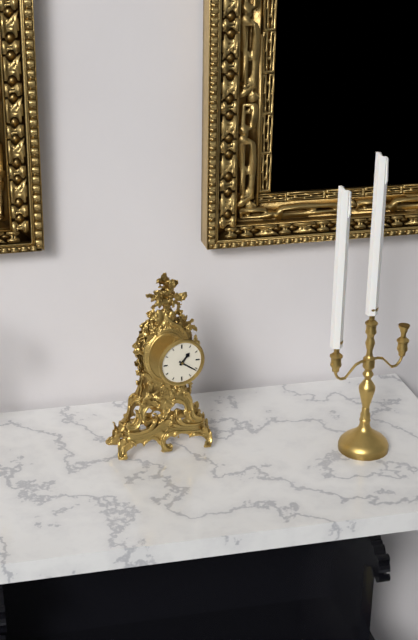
{"hour": 1, "minute": 21}
